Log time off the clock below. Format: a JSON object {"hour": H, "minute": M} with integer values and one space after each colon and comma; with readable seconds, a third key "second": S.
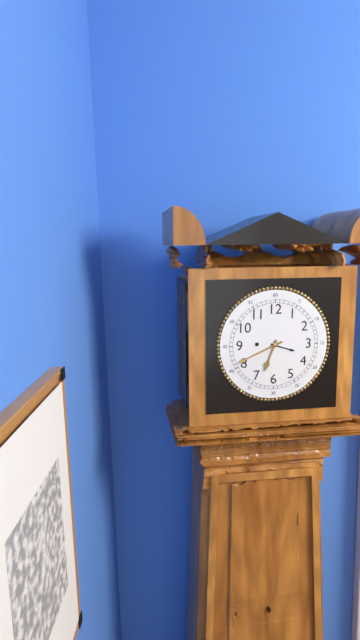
{"hour": 6, "minute": 41}
